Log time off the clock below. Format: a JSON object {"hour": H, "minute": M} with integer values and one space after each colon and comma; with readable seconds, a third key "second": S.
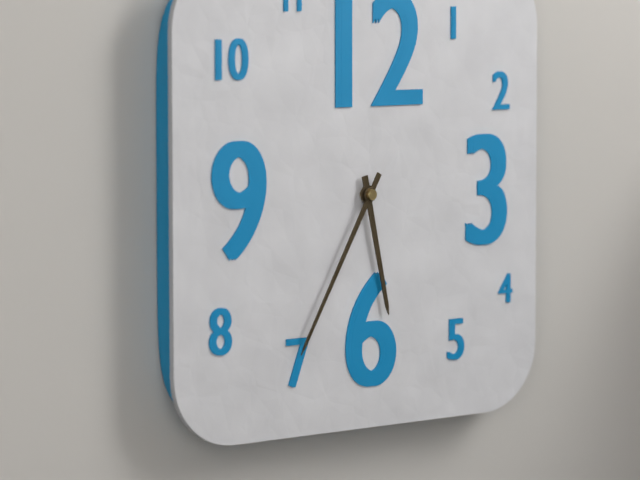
{"hour": 5, "minute": 35}
